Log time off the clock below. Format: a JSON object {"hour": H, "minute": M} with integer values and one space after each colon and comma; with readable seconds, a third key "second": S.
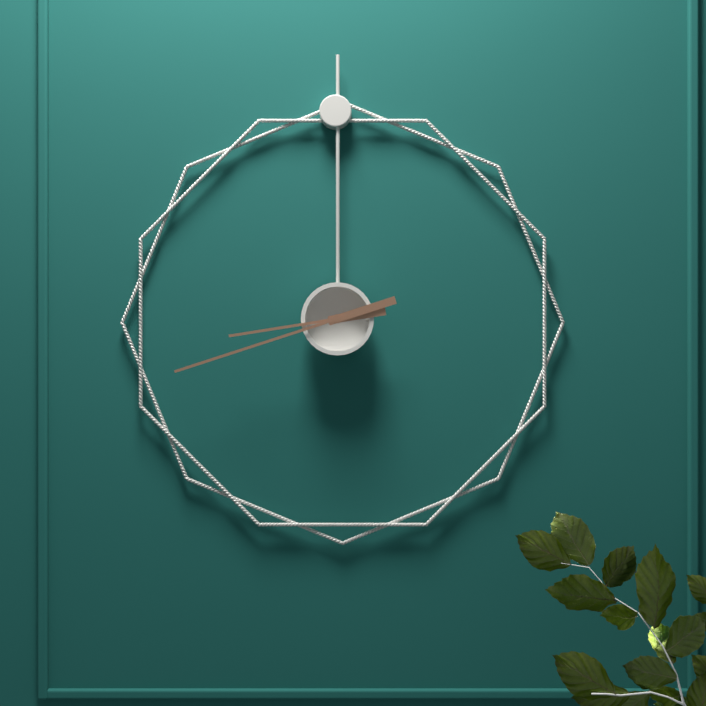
{"hour": 8, "minute": 42}
